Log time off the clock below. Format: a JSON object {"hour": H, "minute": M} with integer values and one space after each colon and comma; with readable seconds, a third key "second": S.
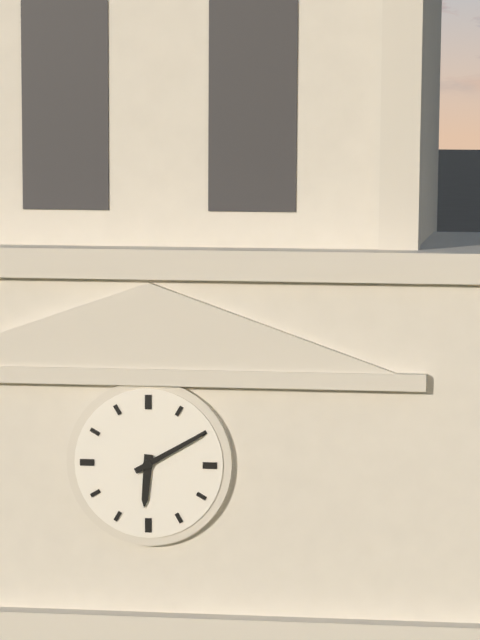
{"hour": 6, "minute": 10}
